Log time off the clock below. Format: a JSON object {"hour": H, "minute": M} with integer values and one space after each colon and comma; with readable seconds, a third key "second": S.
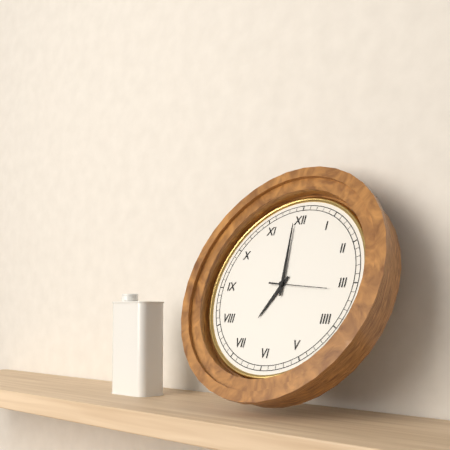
{"hour": 6, "minute": 59, "second": 16}
